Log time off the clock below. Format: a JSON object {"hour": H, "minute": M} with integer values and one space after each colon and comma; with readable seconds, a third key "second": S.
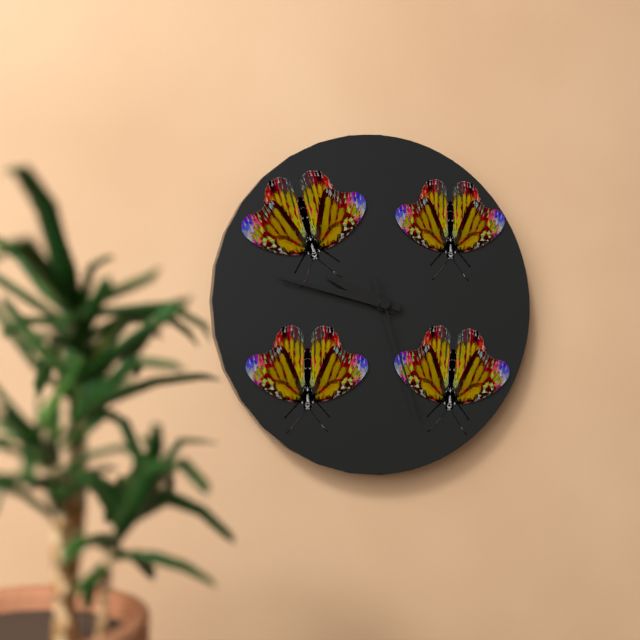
{"hour": 9, "minute": 47, "second": 27}
